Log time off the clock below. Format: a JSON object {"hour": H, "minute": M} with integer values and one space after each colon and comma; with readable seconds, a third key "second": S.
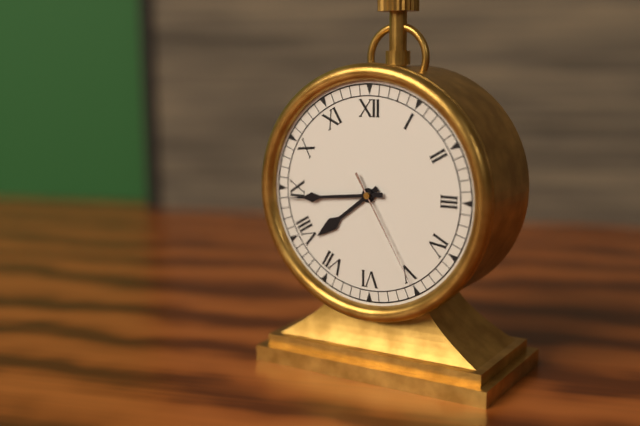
{"hour": 7, "minute": 44, "second": 25}
